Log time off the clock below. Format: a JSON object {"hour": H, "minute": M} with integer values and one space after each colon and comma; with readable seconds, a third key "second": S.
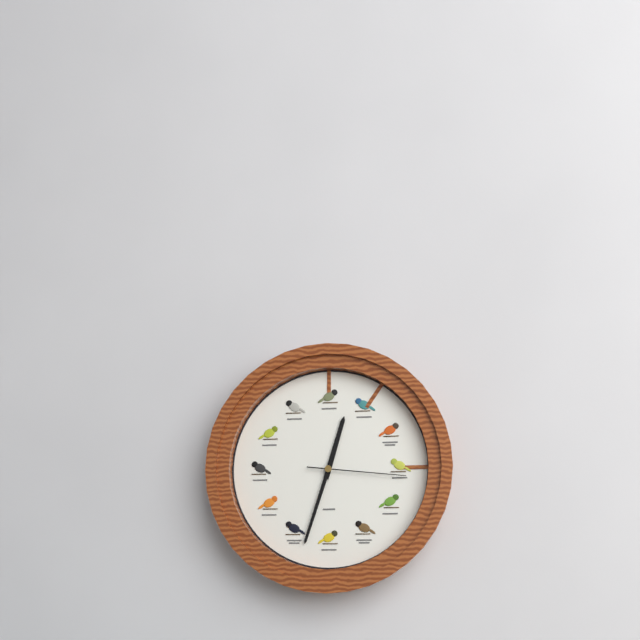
{"hour": 12, "minute": 33, "second": 16}
